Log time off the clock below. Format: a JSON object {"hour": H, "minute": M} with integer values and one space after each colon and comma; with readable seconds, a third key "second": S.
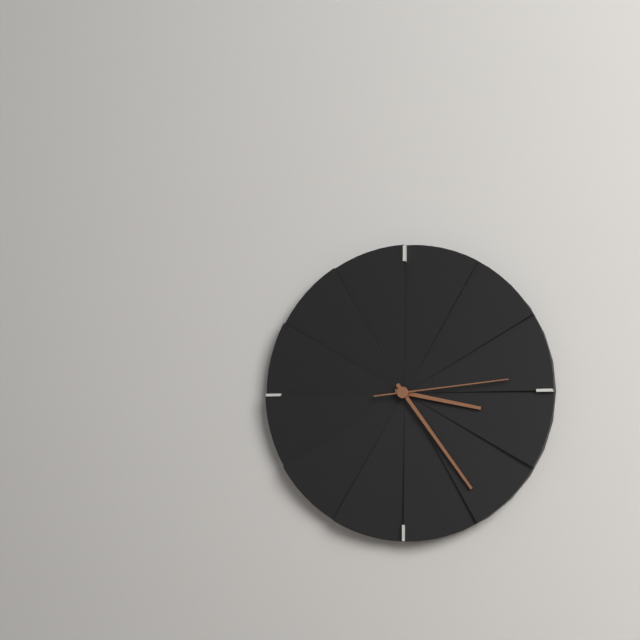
{"hour": 3, "minute": 24, "second": 14}
